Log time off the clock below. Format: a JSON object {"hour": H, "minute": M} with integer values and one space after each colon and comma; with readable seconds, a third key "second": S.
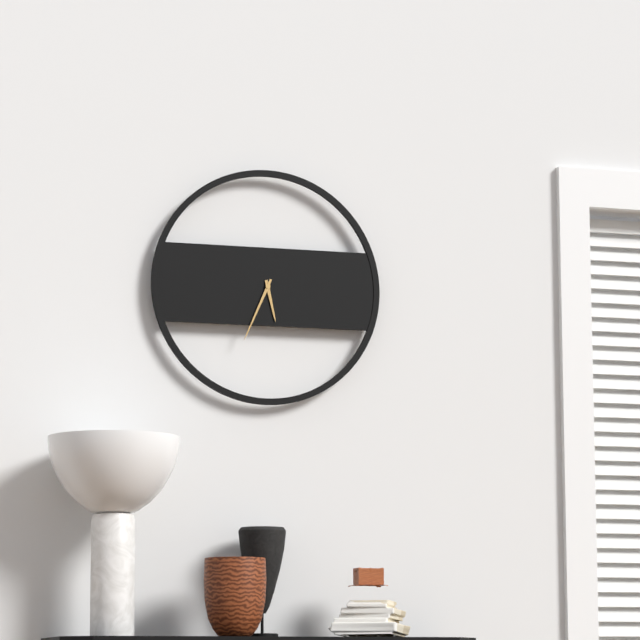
{"hour": 5, "minute": 34}
